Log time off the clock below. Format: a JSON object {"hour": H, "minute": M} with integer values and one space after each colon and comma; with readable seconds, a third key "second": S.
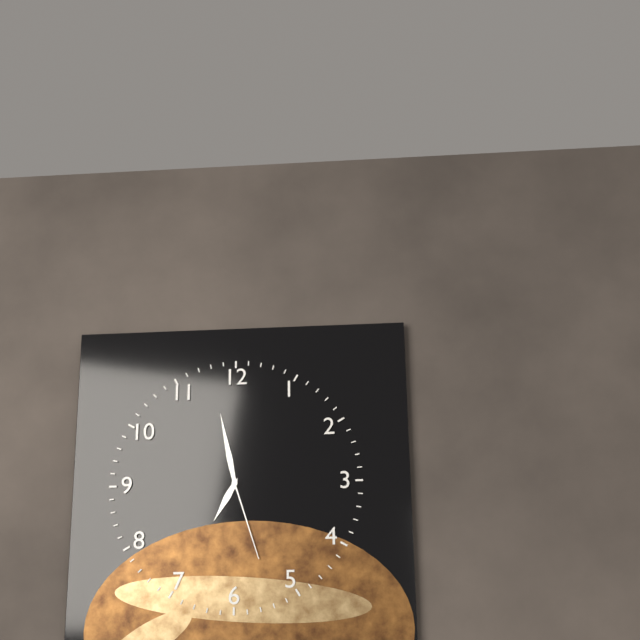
{"hour": 6, "minute": 58, "second": 27}
